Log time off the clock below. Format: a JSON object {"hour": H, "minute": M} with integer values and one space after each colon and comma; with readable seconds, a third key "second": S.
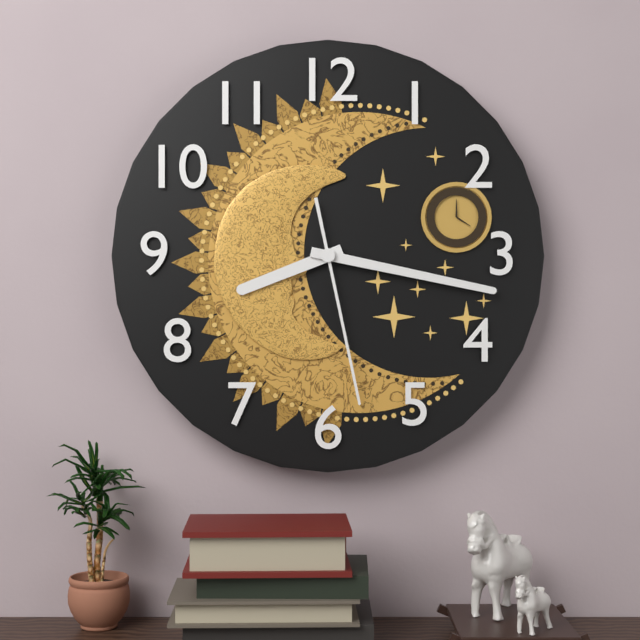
{"hour": 8, "minute": 17, "second": 28}
